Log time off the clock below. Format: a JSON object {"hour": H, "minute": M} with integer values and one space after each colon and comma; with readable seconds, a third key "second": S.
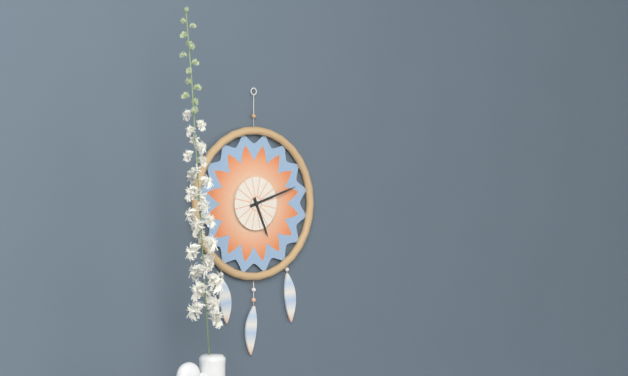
{"hour": 5, "minute": 12}
